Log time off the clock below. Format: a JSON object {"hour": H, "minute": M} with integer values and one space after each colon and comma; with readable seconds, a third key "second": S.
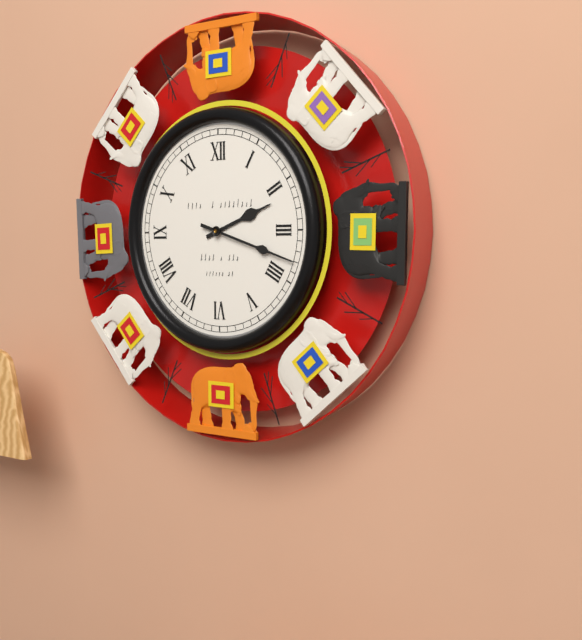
{"hour": 2, "minute": 18}
